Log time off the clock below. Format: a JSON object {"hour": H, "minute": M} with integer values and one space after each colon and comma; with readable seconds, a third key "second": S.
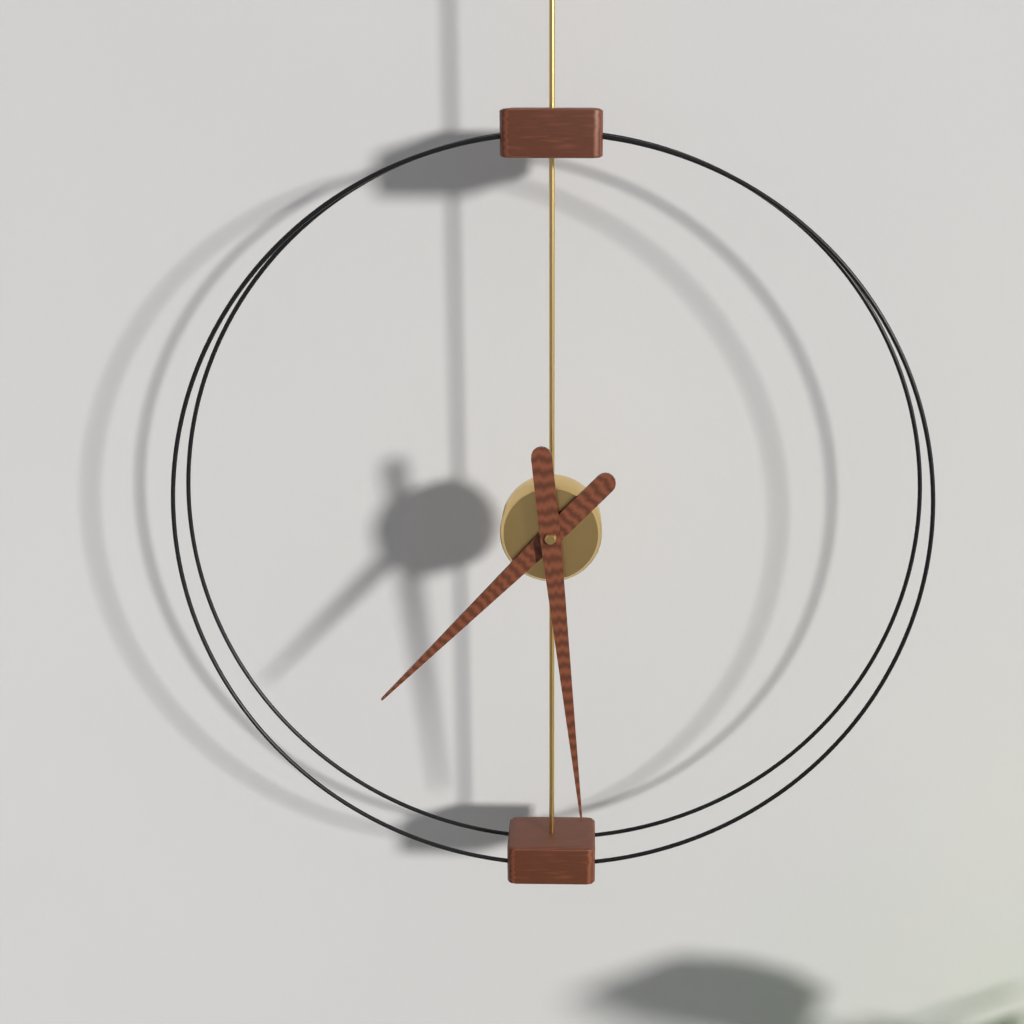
{"hour": 7, "minute": 29}
